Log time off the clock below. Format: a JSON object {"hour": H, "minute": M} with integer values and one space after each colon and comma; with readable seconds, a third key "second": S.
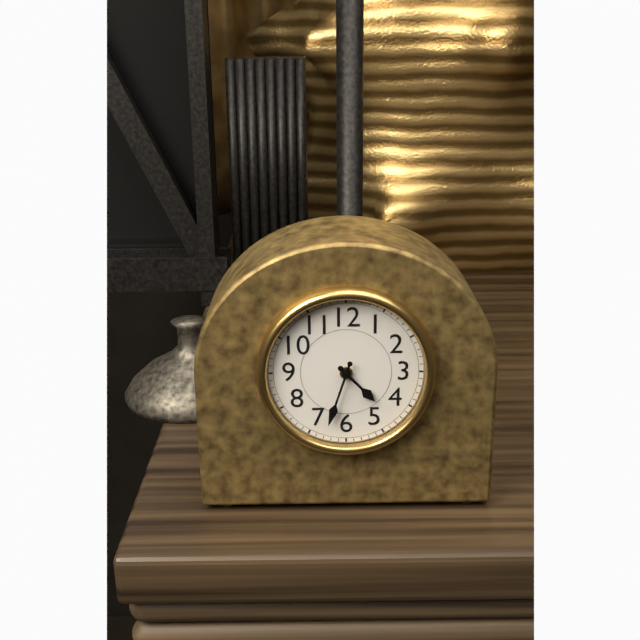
{"hour": 4, "minute": 33}
